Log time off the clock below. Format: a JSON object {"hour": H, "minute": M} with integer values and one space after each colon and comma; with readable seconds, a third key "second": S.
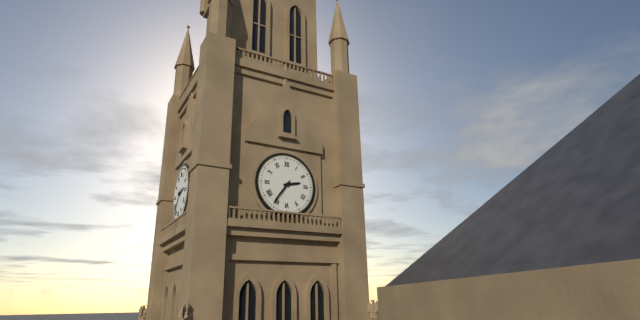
{"hour": 2, "minute": 36}
